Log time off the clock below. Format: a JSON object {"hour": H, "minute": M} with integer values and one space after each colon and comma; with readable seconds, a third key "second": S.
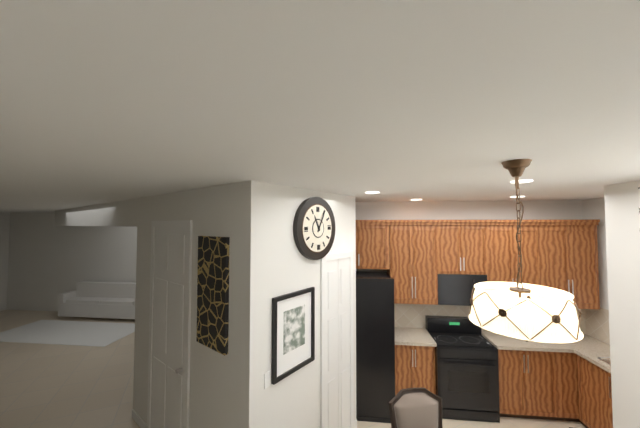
{"hour": 11, "minute": 5}
